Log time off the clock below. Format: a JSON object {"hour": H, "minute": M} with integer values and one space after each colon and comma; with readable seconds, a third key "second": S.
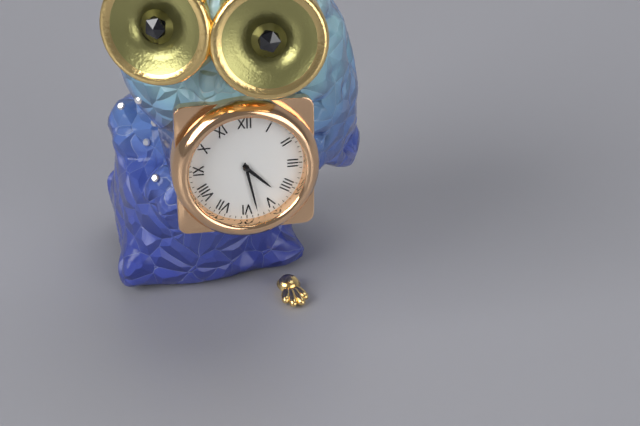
{"hour": 4, "minute": 28}
